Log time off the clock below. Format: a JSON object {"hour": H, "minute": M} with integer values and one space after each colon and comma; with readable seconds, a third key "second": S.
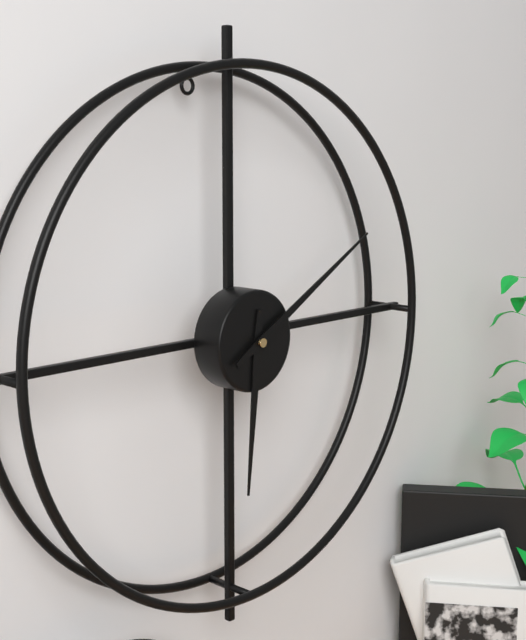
{"hour": 6, "minute": 10}
